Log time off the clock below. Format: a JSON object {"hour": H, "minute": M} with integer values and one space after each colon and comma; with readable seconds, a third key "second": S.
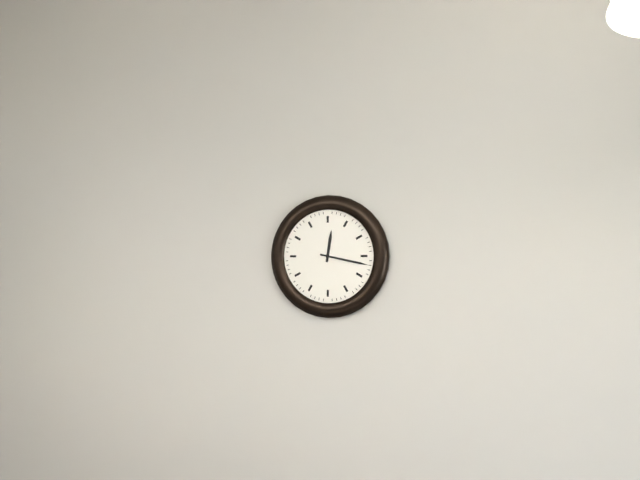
{"hour": 12, "minute": 17}
